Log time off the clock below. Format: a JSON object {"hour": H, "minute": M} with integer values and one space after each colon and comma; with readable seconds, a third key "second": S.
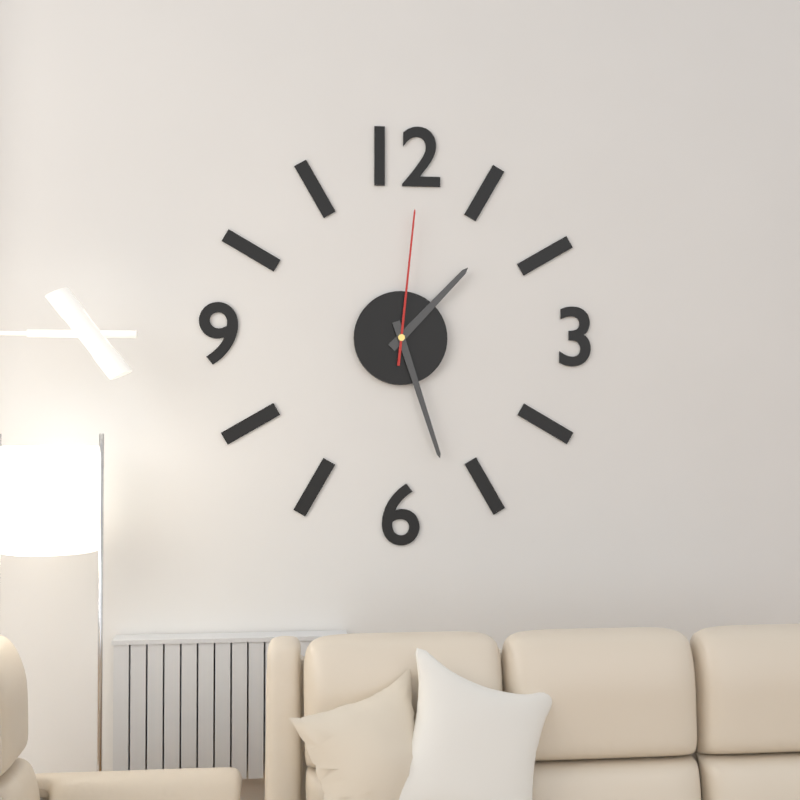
{"hour": 1, "minute": 27, "second": 1}
